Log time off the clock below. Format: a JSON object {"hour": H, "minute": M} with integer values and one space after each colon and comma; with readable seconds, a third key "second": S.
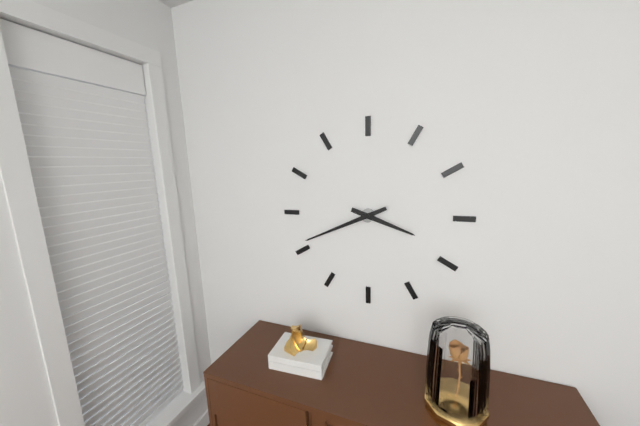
{"hour": 3, "minute": 41}
